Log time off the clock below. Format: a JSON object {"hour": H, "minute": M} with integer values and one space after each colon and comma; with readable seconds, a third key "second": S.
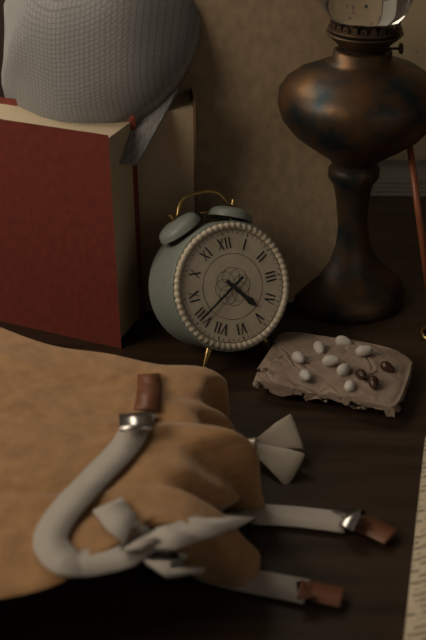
{"hour": 4, "minute": 40}
